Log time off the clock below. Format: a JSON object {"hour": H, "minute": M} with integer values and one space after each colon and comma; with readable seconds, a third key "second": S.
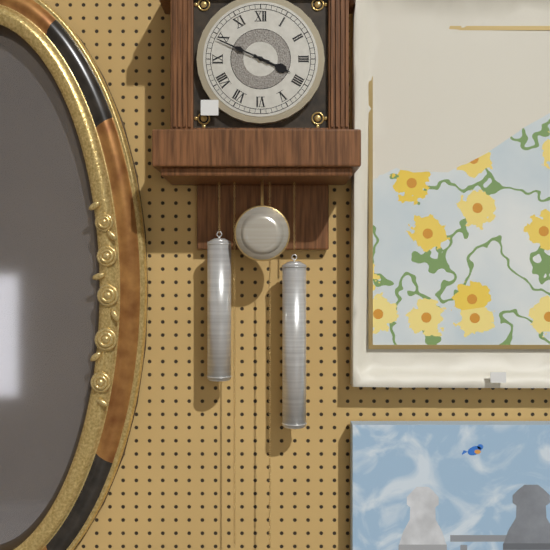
{"hour": 3, "minute": 49}
